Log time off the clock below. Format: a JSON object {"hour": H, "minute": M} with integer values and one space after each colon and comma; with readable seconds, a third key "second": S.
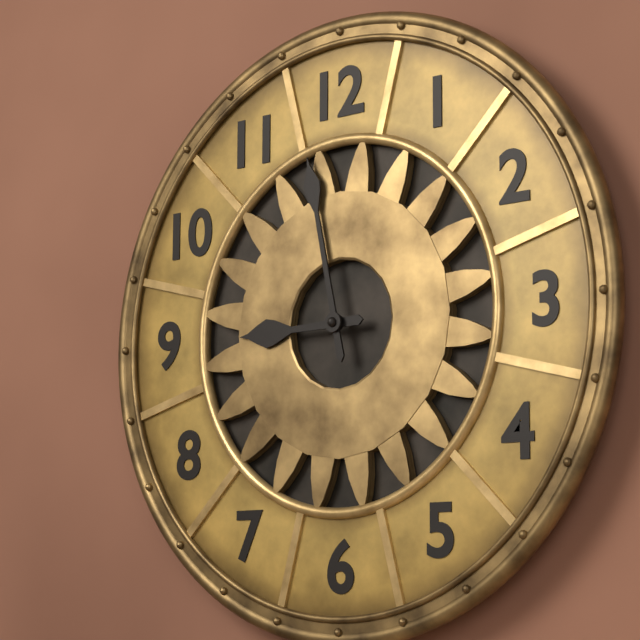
{"hour": 8, "minute": 58}
